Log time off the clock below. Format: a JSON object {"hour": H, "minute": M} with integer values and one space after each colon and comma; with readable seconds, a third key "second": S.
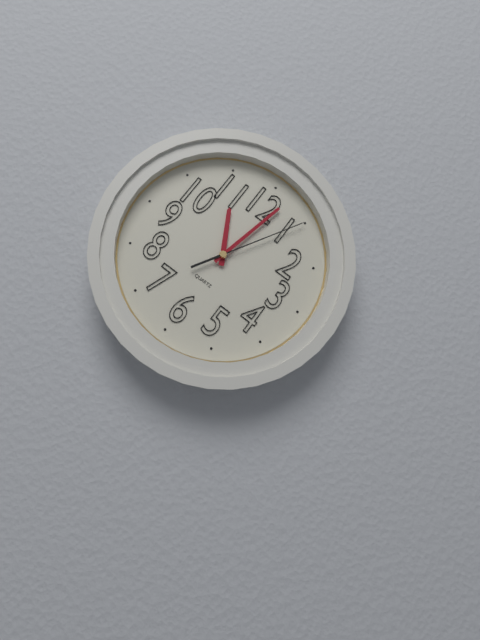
{"hour": 11, "minute": 2, "second": 5}
